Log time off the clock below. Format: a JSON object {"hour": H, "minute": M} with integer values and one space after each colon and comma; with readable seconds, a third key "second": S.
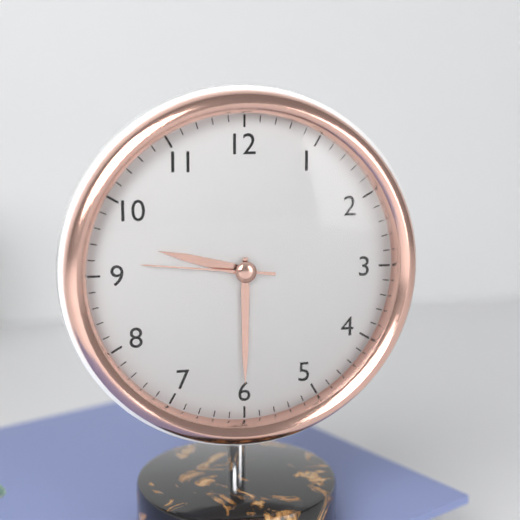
{"hour": 9, "minute": 30, "second": 46}
